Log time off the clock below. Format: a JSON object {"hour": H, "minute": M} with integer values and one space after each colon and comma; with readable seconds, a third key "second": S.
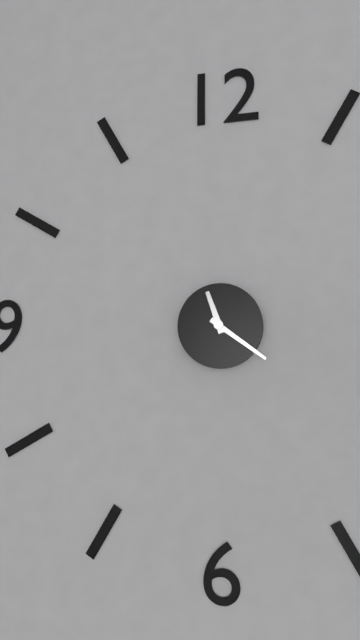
{"hour": 11, "minute": 21}
